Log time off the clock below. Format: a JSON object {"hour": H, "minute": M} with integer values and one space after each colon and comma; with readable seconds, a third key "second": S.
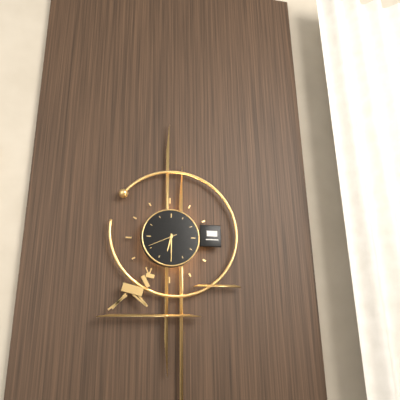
{"hour": 6, "minute": 30}
